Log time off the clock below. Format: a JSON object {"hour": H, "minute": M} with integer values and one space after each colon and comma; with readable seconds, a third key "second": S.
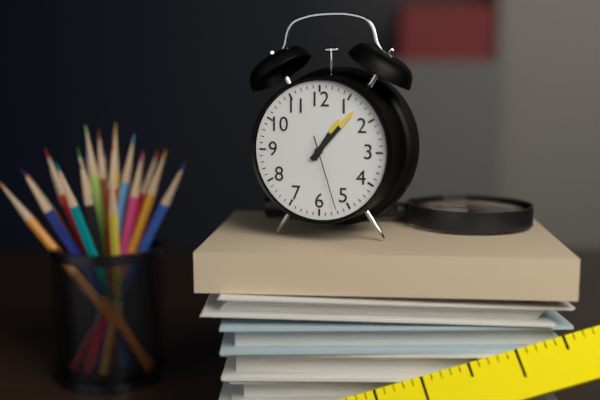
{"hour": 1, "minute": 7, "second": 27}
